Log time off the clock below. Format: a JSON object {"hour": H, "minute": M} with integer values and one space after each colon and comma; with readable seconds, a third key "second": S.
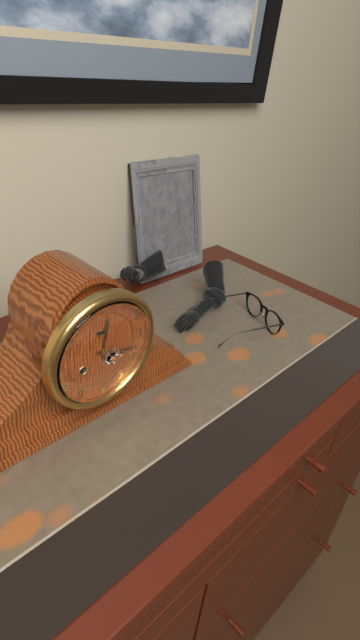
{"hour": 12, "minute": 18}
